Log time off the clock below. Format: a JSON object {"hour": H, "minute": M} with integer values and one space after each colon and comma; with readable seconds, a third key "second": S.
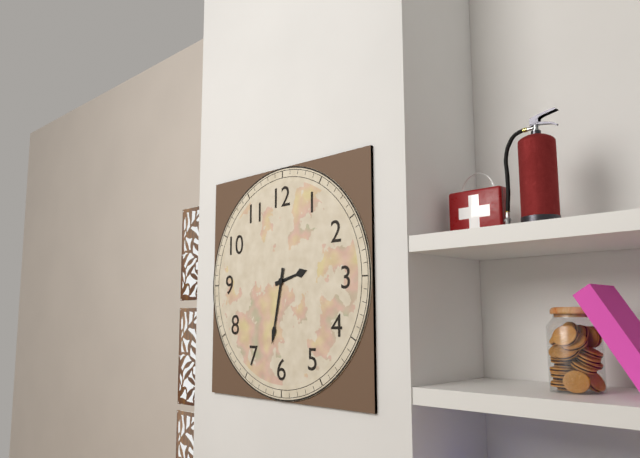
{"hour": 2, "minute": 32}
